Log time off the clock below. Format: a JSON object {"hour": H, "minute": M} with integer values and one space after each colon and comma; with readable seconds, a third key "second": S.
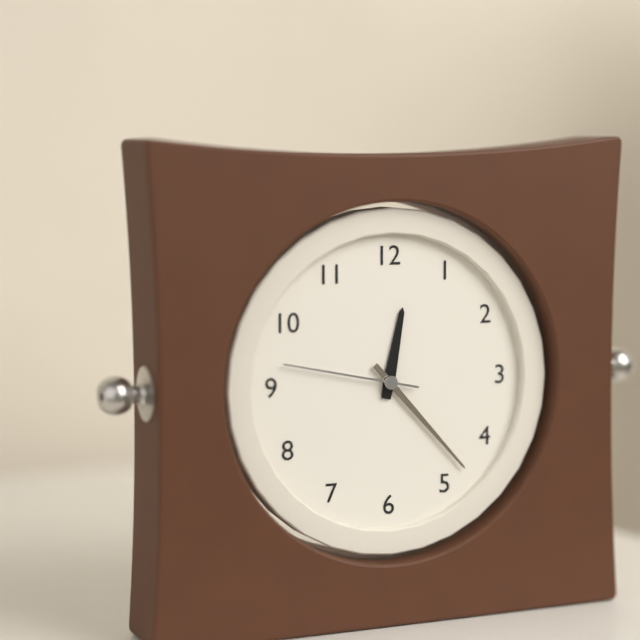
{"hour": 12, "minute": 23, "second": 47}
